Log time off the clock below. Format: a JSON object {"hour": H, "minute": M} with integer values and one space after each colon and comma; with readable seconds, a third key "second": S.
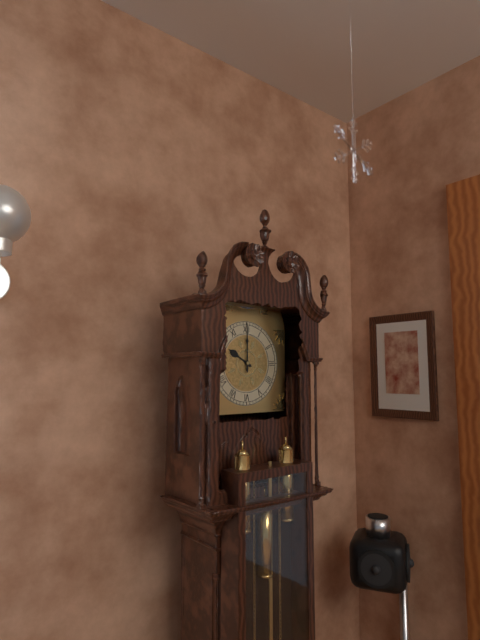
{"hour": 10, "minute": 0}
